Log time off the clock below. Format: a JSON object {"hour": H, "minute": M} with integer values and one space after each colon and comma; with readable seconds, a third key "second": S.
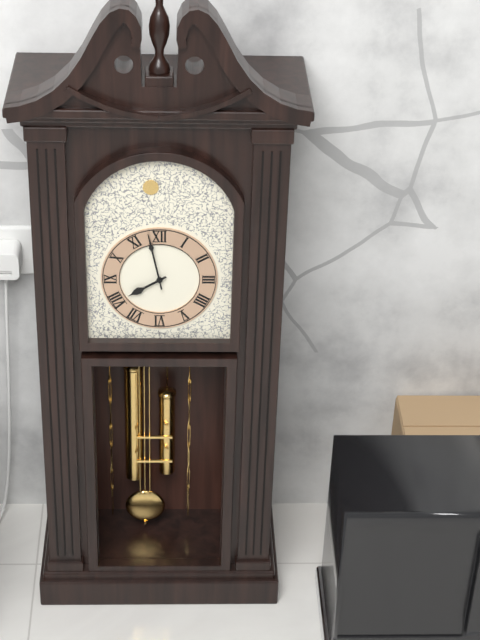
{"hour": 7, "minute": 58}
